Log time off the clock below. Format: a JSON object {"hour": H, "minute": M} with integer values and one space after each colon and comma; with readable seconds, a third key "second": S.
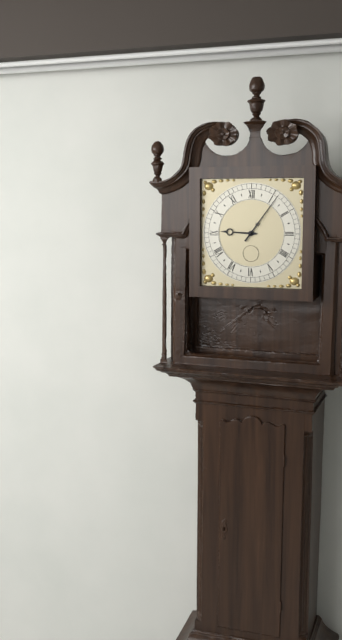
{"hour": 9, "minute": 6}
